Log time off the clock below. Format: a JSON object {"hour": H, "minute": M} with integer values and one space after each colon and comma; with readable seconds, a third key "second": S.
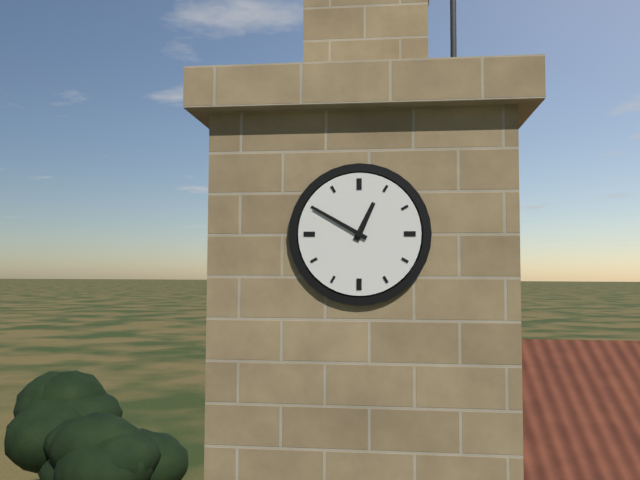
{"hour": 12, "minute": 50}
